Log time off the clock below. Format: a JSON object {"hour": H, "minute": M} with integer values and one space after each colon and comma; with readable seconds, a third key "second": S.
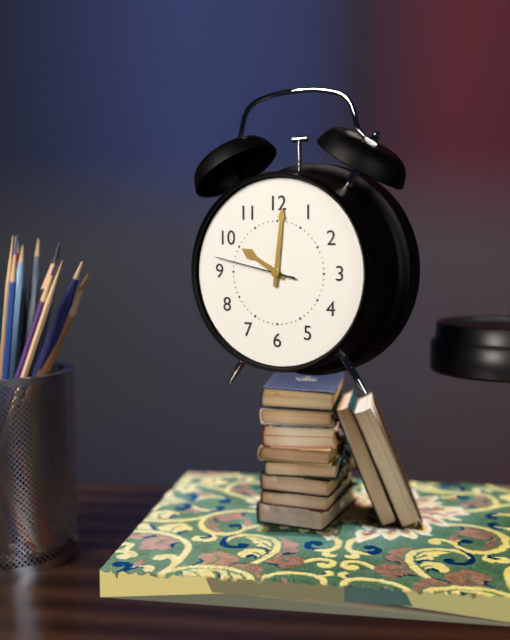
{"hour": 10, "minute": 1, "second": 47}
